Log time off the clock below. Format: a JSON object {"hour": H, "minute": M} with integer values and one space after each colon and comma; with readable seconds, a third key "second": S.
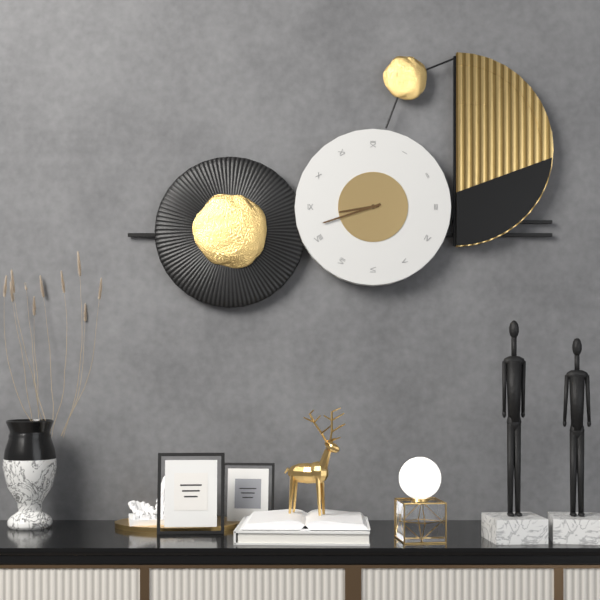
{"hour": 8, "minute": 42}
